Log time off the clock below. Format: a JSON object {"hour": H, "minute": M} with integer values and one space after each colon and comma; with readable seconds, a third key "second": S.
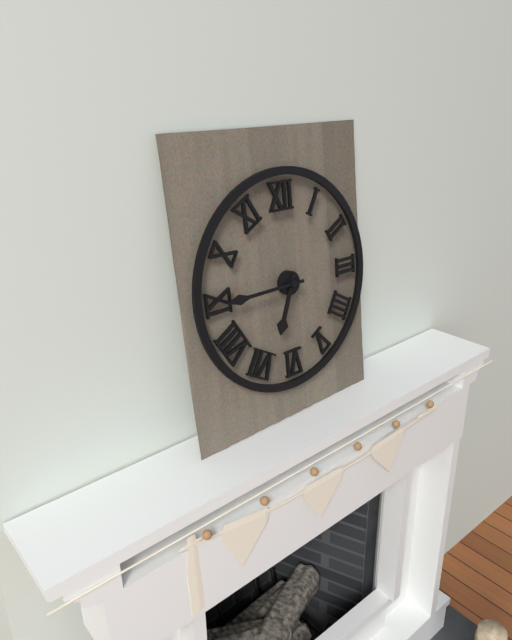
{"hour": 6, "minute": 45}
